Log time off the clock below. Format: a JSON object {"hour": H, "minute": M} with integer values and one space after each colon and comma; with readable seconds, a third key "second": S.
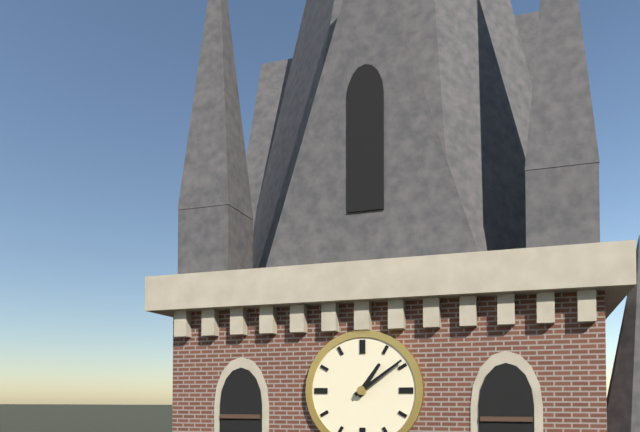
{"hour": 1, "minute": 9}
